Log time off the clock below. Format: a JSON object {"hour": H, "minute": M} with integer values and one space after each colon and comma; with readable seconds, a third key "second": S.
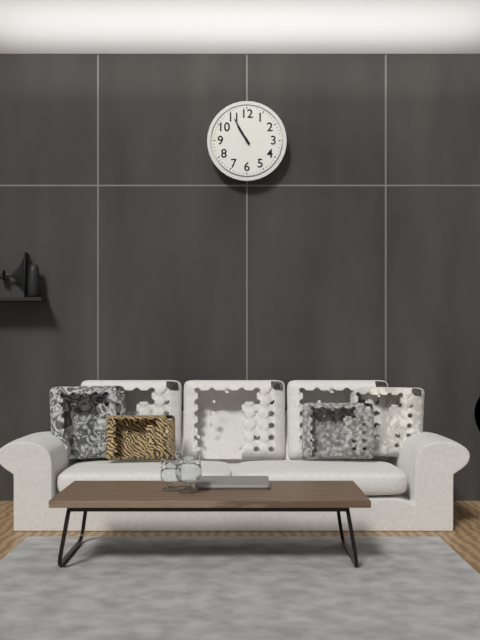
{"hour": 10, "minute": 55}
